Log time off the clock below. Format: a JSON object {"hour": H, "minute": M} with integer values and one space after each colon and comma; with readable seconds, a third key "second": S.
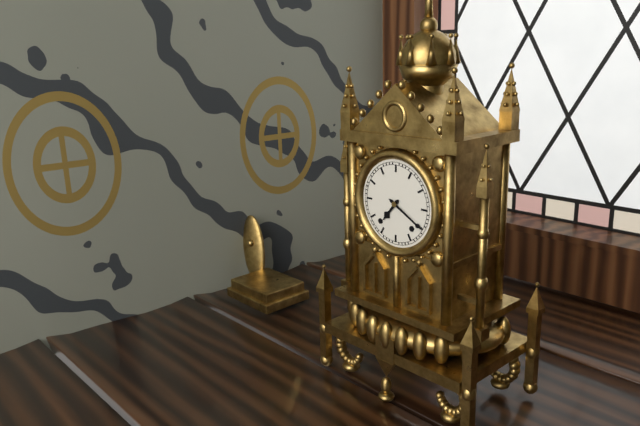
{"hour": 7, "minute": 20}
